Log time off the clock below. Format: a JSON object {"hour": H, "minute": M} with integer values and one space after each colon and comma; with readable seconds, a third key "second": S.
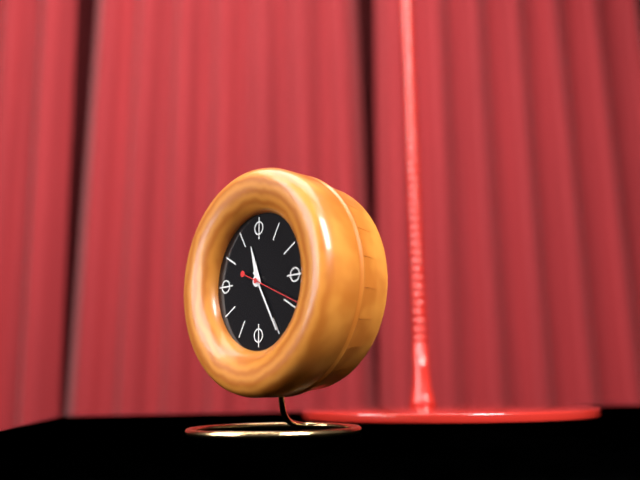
{"hour": 11, "minute": 25, "second": 19}
